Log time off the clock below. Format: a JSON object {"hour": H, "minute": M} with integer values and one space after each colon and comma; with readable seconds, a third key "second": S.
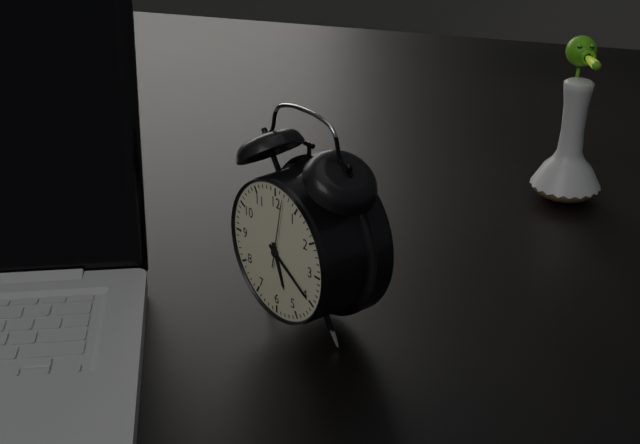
{"hour": 5, "minute": 20, "second": 2}
